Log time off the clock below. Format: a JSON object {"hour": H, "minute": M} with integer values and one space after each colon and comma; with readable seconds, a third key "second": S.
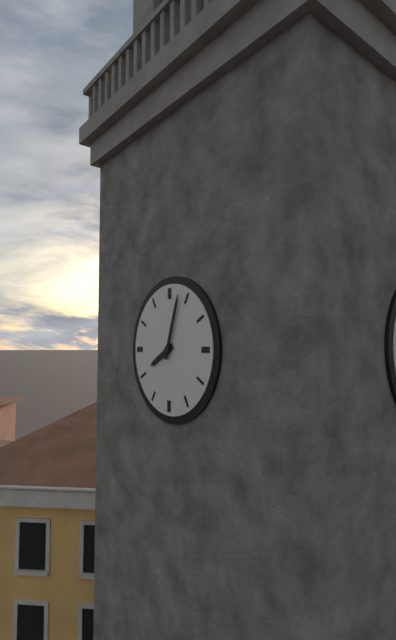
{"hour": 8, "minute": 3}
